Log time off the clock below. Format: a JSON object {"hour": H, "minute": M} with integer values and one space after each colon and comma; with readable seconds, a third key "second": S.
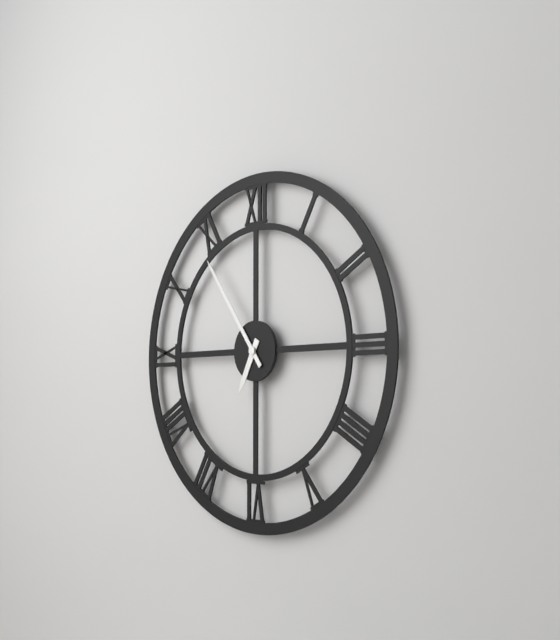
{"hour": 6, "minute": 54}
